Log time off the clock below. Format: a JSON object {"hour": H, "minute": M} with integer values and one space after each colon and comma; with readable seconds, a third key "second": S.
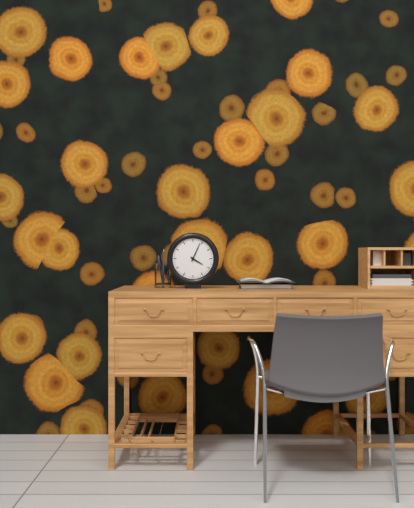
{"hour": 4, "minute": 4}
